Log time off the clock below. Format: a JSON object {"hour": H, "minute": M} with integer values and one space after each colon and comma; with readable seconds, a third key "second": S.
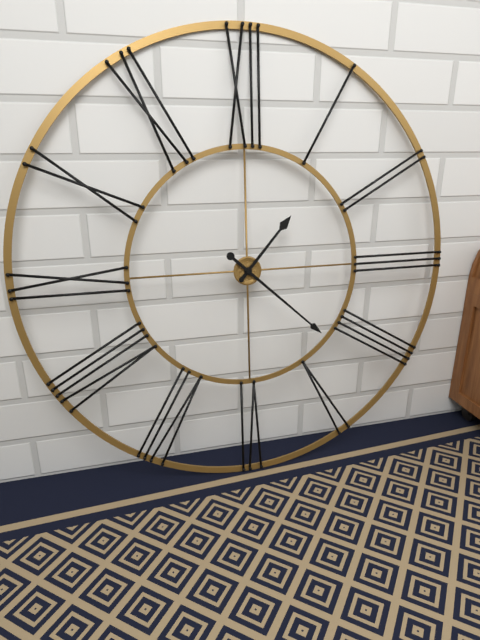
{"hour": 1, "minute": 22}
